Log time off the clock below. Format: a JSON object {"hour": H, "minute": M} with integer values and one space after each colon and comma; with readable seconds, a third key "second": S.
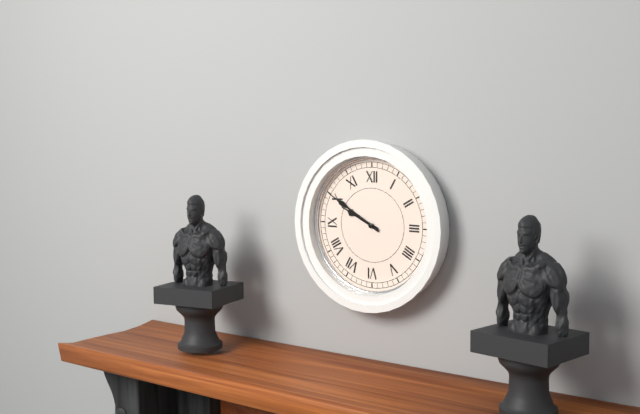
{"hour": 9, "minute": 50}
